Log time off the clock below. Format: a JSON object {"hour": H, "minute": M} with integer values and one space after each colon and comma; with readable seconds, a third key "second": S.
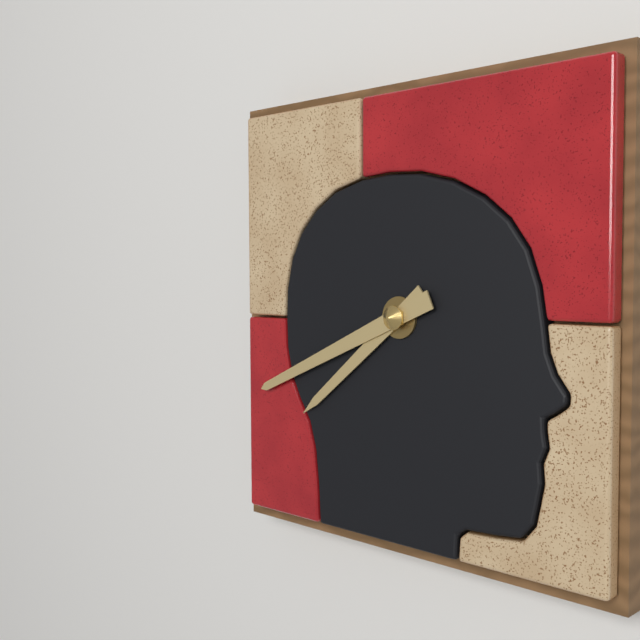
{"hour": 7, "minute": 41}
